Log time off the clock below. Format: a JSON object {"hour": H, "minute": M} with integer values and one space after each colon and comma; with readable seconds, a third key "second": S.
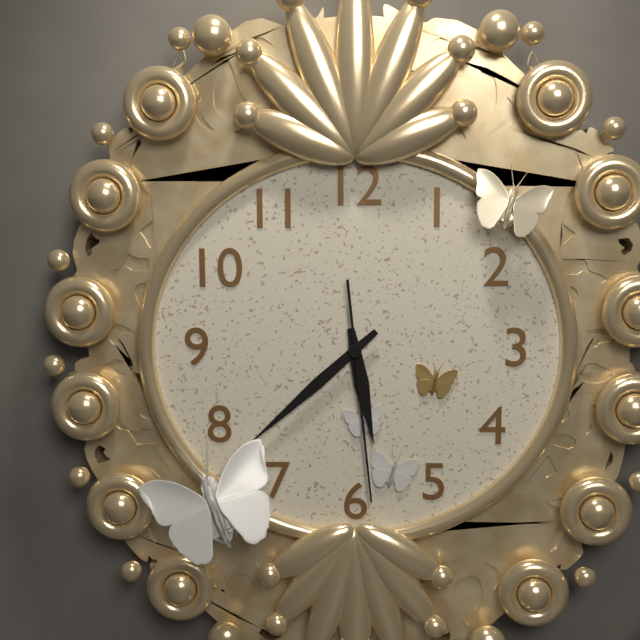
{"hour": 5, "minute": 38, "second": 29}
